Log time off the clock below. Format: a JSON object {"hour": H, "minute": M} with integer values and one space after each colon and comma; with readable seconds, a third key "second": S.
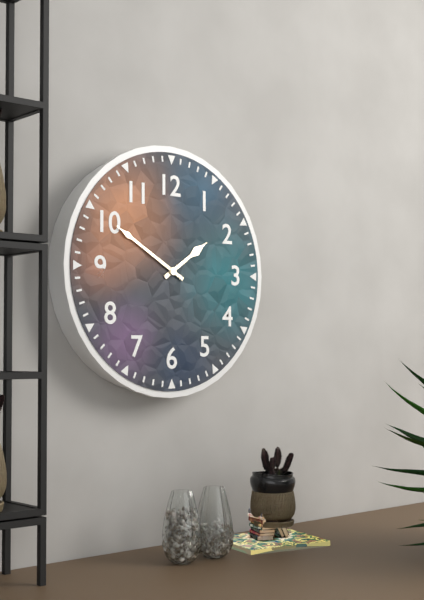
{"hour": 1, "minute": 50}
